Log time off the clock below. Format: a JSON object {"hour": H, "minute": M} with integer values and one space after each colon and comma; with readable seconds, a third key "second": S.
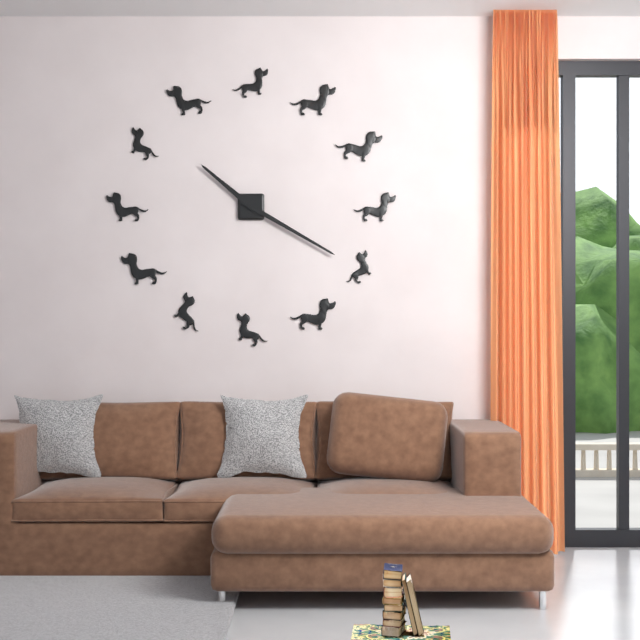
{"hour": 10, "minute": 20}
